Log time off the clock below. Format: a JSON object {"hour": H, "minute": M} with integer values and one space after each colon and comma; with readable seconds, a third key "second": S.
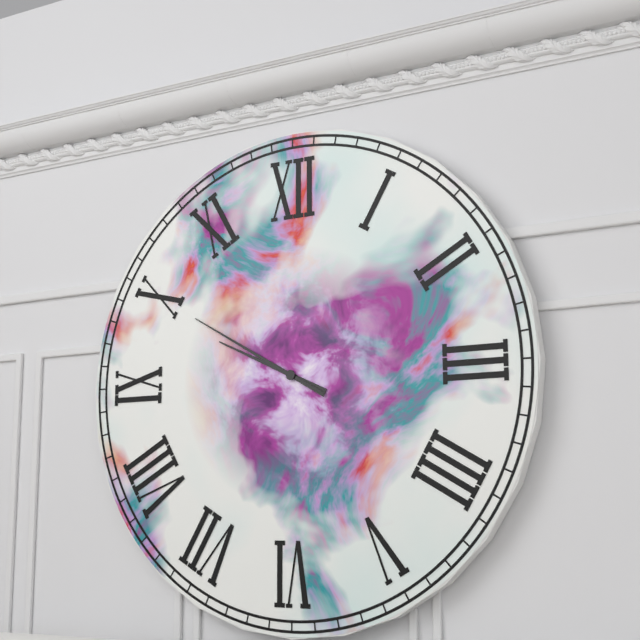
{"hour": 9, "minute": 50}
